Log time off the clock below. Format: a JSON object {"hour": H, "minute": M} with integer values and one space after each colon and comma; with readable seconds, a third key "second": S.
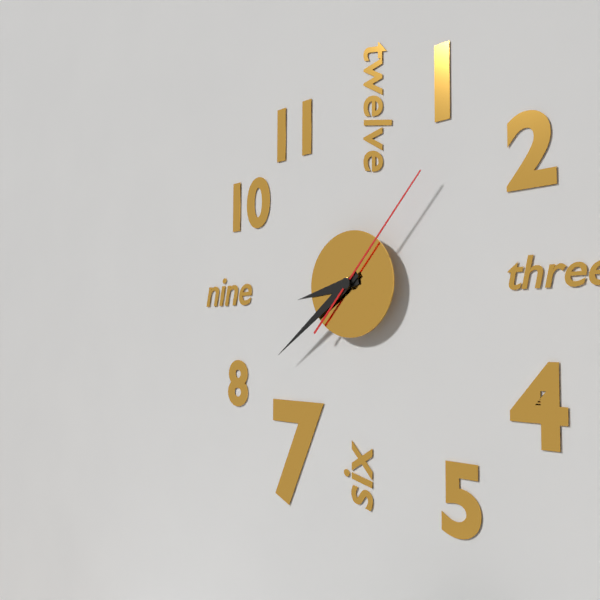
{"hour": 8, "minute": 39, "second": 7}
